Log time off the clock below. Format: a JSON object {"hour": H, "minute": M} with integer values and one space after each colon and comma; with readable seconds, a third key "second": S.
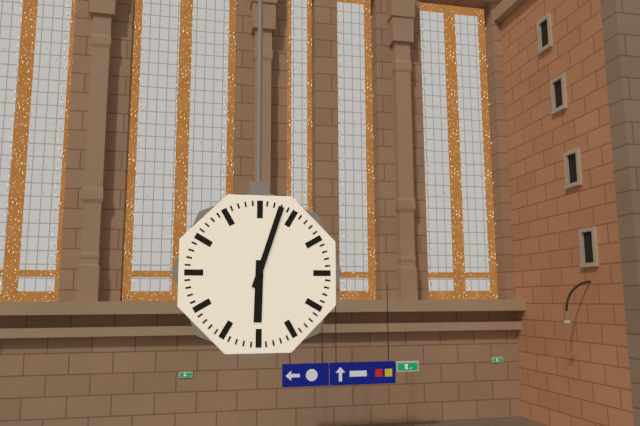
{"hour": 6, "minute": 3}
